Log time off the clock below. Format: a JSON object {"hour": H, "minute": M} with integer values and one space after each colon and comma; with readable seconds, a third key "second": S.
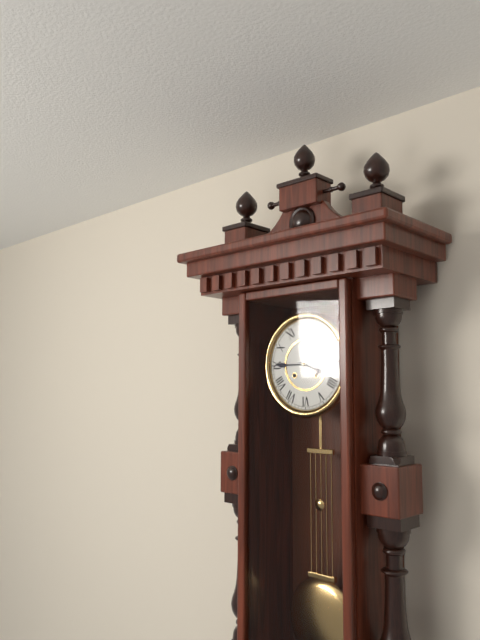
{"hour": 3, "minute": 45}
